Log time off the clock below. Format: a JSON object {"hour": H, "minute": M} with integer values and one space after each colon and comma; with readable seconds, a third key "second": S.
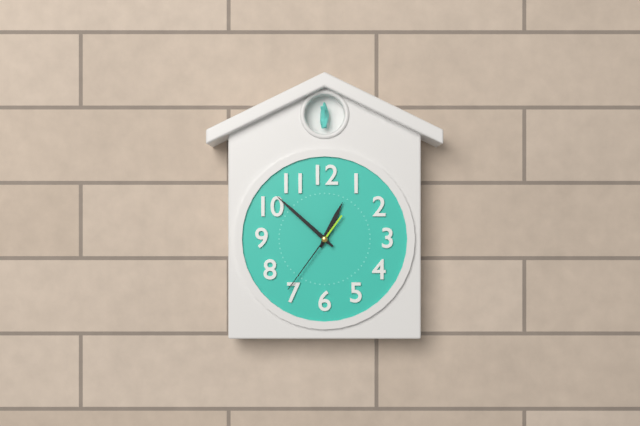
{"hour": 12, "minute": 52, "second": 36}
